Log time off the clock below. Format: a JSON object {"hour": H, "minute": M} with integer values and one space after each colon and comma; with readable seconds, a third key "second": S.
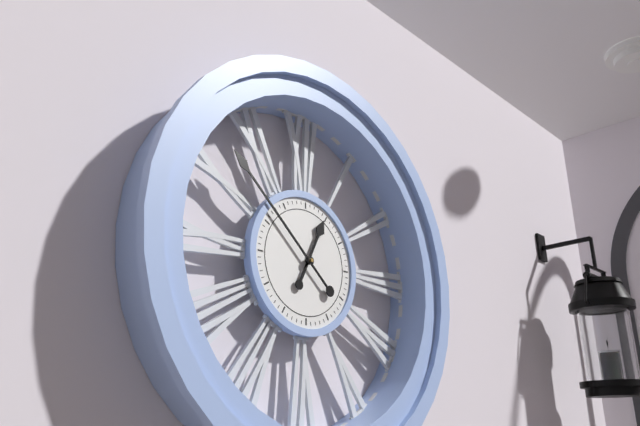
{"hour": 12, "minute": 52}
